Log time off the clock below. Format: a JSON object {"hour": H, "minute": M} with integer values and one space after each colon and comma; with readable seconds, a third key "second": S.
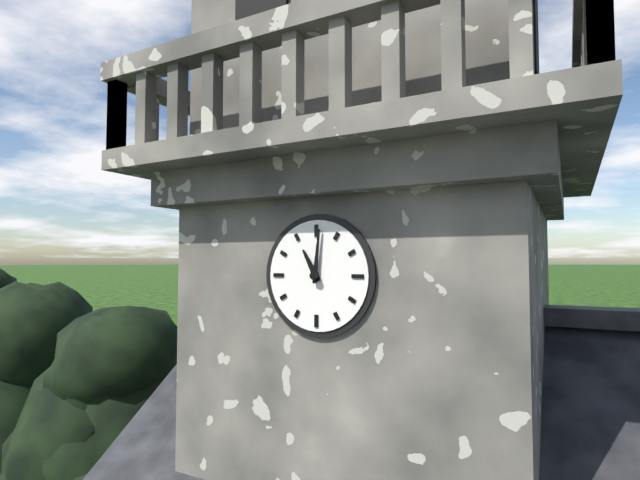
{"hour": 11, "minute": 1}
